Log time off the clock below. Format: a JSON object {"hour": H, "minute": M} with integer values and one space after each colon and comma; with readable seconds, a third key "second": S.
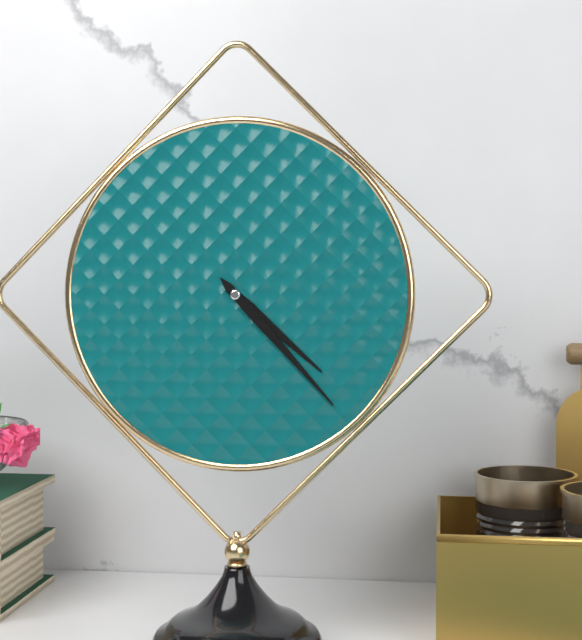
{"hour": 4, "minute": 23}
